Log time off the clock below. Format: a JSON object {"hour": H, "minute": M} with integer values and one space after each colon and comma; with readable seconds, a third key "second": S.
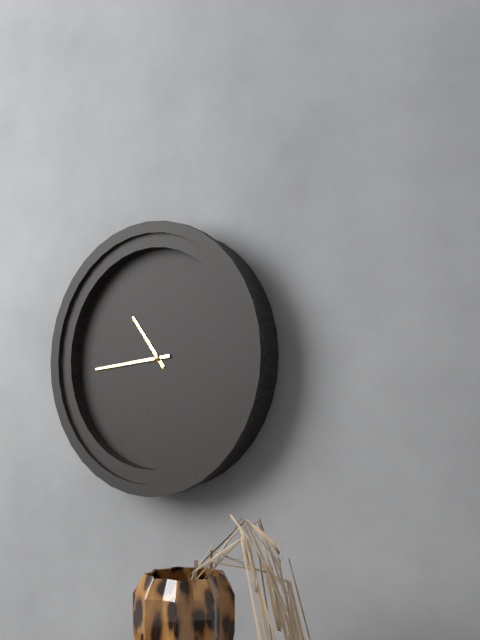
{"hour": 10, "minute": 44}
